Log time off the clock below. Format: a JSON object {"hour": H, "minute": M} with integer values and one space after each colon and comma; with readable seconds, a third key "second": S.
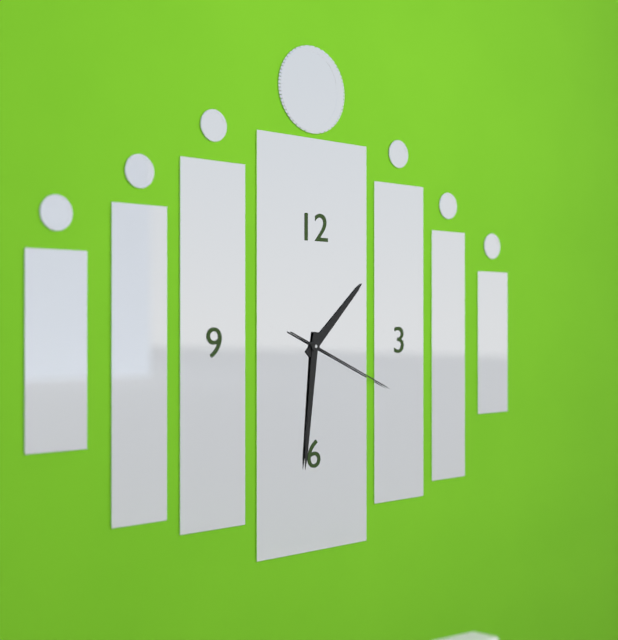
{"hour": 1, "minute": 31, "second": 19}
